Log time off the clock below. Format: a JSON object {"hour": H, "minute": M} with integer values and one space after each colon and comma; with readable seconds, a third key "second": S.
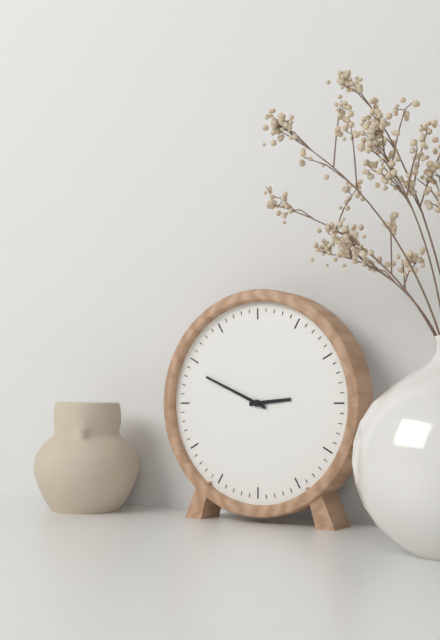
{"hour": 2, "minute": 49}
